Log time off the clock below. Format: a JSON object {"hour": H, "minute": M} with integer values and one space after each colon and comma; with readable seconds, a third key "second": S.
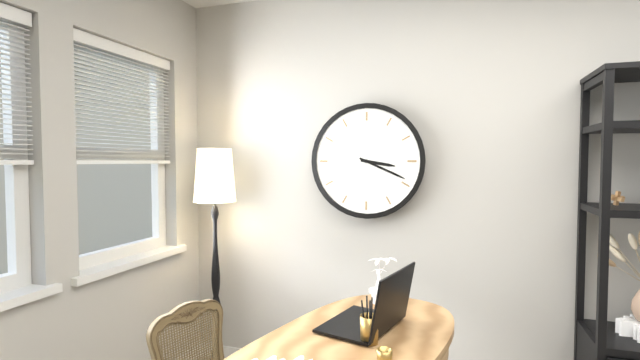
{"hour": 3, "minute": 19}
